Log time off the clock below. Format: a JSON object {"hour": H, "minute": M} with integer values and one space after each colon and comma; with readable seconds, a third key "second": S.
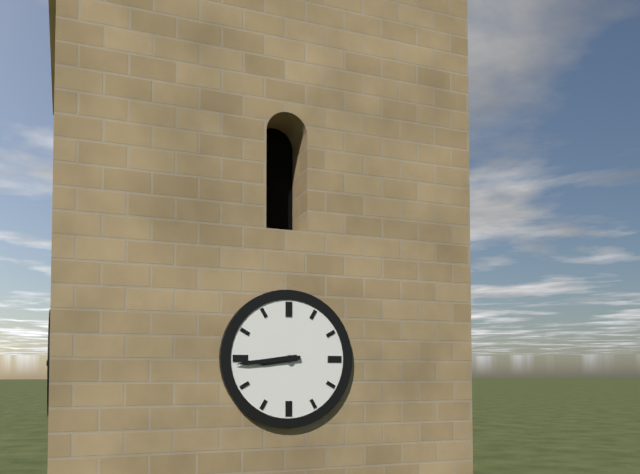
{"hour": 8, "minute": 44}
